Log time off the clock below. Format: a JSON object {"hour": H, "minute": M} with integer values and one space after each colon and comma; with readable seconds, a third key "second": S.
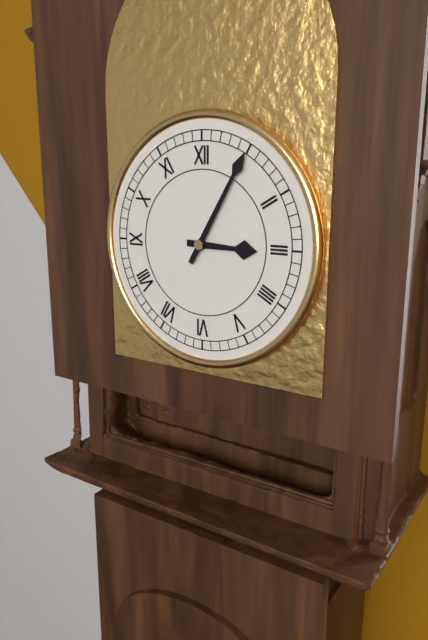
{"hour": 3, "minute": 5}
